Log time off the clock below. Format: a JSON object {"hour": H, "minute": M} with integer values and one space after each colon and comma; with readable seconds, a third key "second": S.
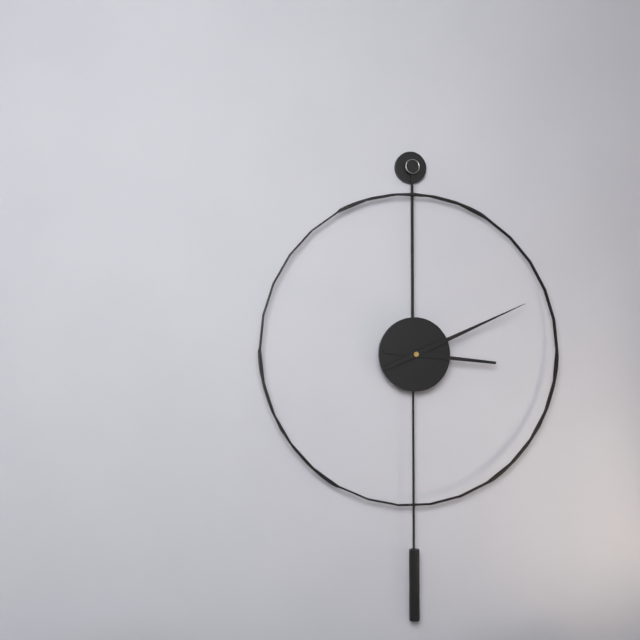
{"hour": 3, "minute": 11}
